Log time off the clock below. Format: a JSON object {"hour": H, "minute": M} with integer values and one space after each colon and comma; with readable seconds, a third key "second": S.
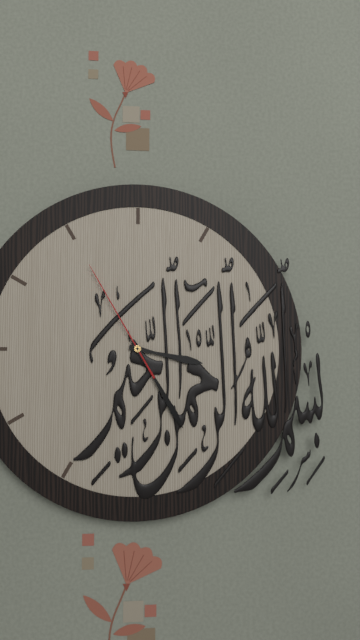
{"hour": 3, "minute": 25, "second": 55}
